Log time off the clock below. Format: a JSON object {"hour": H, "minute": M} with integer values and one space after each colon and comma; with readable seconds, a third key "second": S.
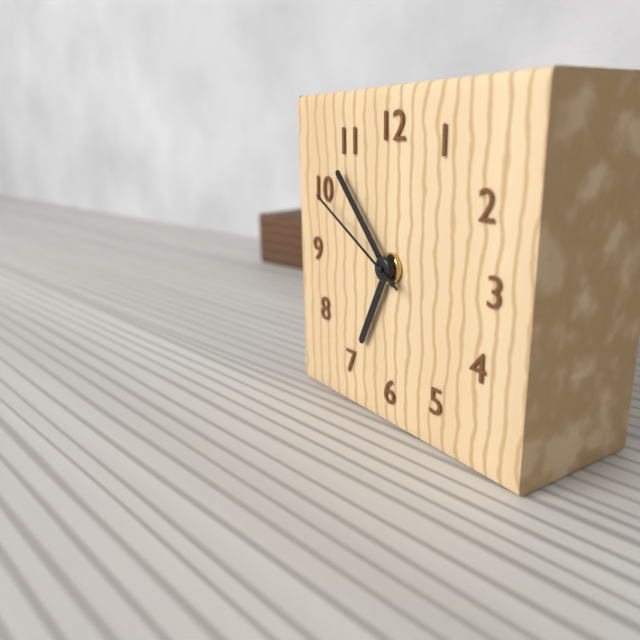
{"hour": 6, "minute": 53, "second": 50}
